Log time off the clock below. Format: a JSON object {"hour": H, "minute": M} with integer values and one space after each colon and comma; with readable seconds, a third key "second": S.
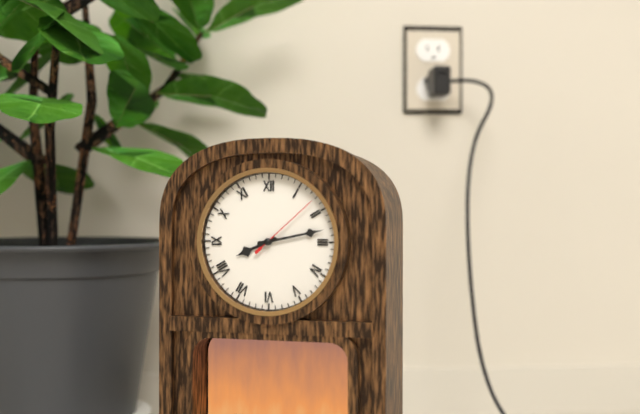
{"hour": 8, "minute": 13, "second": 8}
